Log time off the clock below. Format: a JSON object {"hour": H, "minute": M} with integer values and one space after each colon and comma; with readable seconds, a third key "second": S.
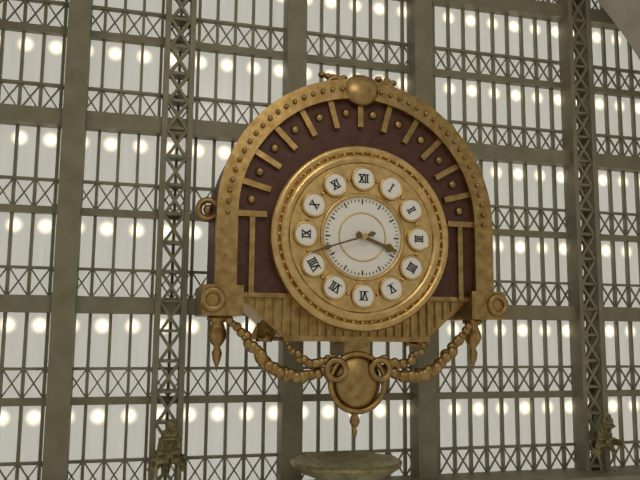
{"hour": 3, "minute": 42}
